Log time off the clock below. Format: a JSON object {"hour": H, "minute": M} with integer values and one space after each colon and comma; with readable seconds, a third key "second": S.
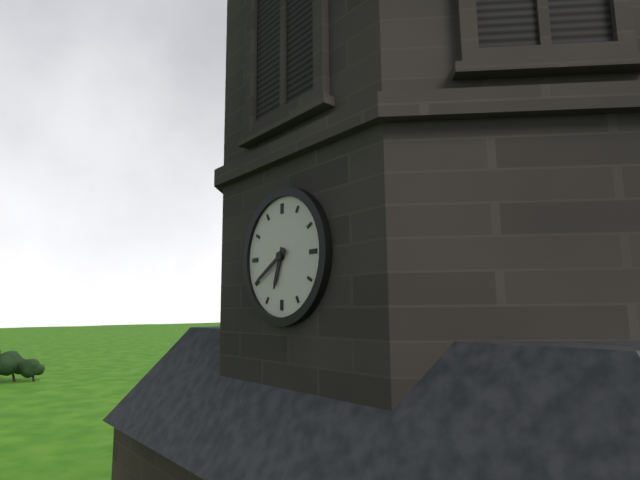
{"hour": 6, "minute": 40}
